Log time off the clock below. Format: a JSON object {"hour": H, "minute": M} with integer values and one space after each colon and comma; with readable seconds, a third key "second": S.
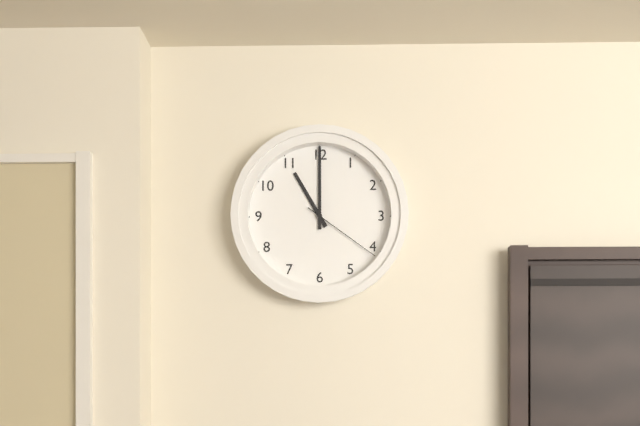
{"hour": 11, "minute": 0, "second": 21}
